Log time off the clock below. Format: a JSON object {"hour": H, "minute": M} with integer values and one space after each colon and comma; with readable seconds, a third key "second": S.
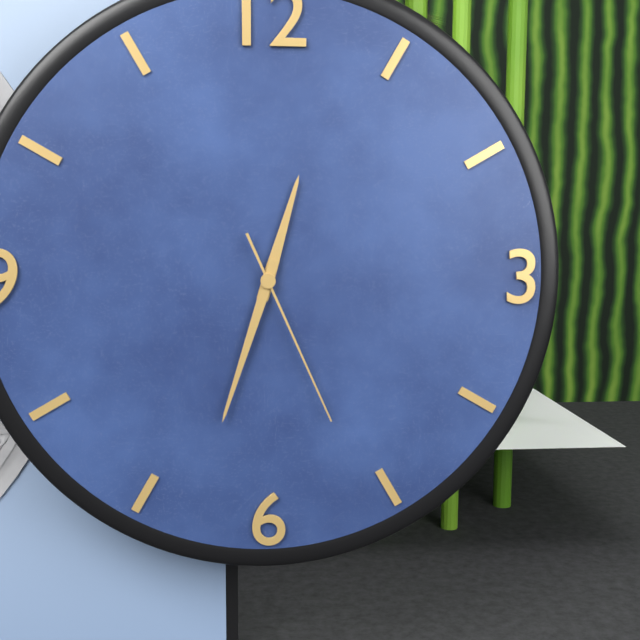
{"hour": 12, "minute": 33, "second": 26}
